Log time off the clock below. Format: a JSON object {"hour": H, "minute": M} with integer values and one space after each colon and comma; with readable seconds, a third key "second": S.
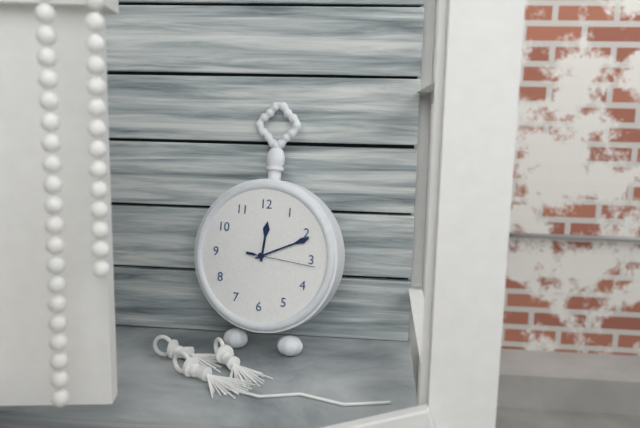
{"hour": 12, "minute": 11, "second": 16}
